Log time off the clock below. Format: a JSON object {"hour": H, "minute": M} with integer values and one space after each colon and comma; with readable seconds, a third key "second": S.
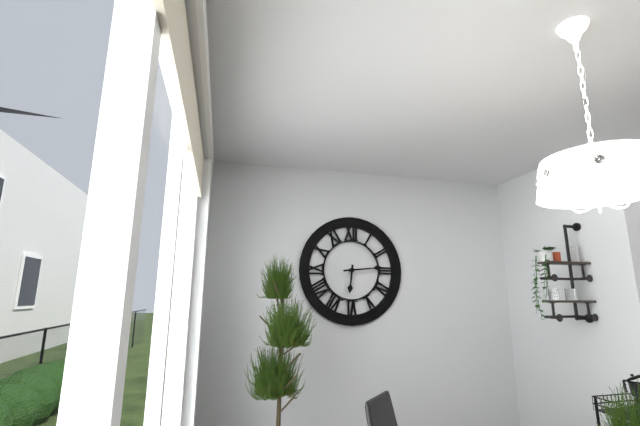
{"hour": 6, "minute": 14}
